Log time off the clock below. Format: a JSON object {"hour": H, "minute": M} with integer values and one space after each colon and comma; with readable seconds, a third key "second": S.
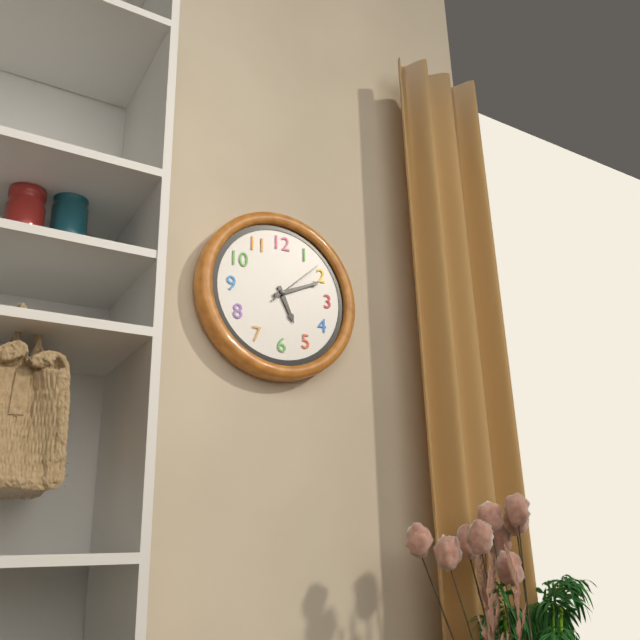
{"hour": 5, "minute": 11, "second": 8}
